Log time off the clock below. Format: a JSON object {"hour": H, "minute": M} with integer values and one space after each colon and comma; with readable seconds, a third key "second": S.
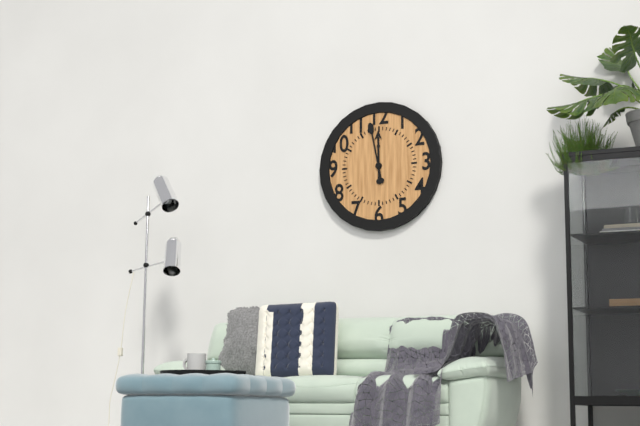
{"hour": 11, "minute": 58}
